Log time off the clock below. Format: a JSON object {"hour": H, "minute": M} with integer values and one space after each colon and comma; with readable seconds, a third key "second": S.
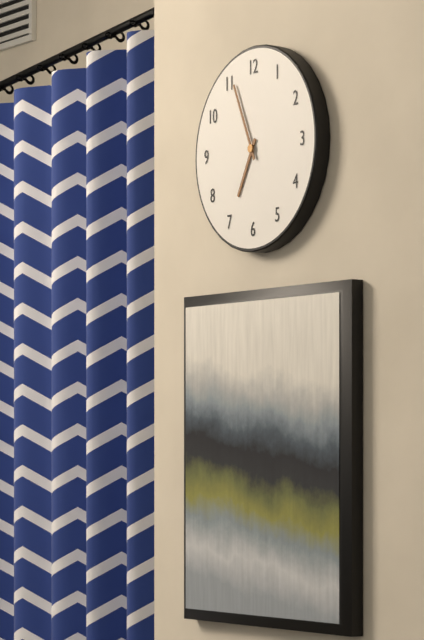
{"hour": 6, "minute": 56}
